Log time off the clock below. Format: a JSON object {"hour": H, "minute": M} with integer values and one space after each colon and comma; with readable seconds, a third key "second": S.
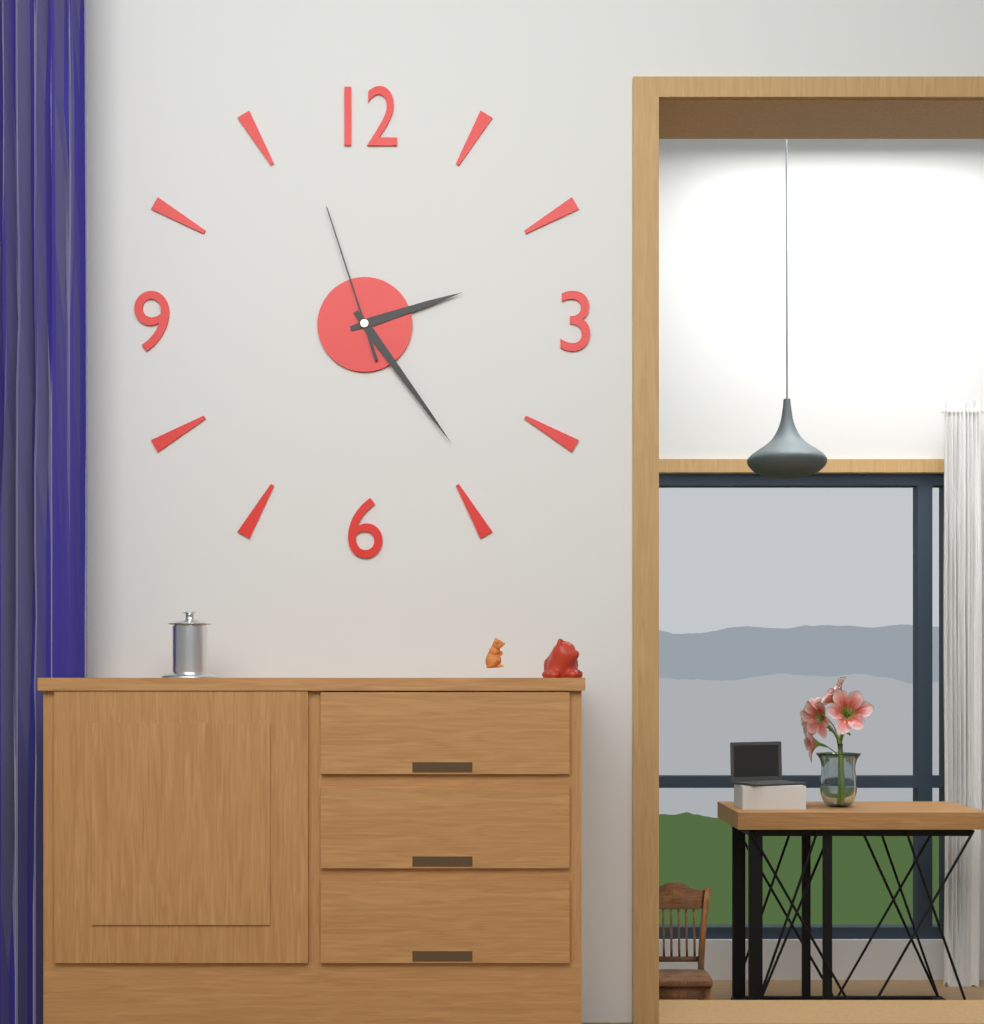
{"hour": 2, "minute": 24, "second": 57}
